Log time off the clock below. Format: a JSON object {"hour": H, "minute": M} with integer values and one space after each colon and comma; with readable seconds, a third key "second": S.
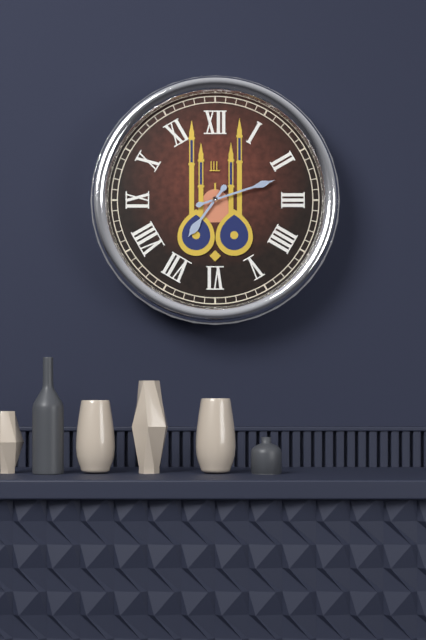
{"hour": 7, "minute": 12}
